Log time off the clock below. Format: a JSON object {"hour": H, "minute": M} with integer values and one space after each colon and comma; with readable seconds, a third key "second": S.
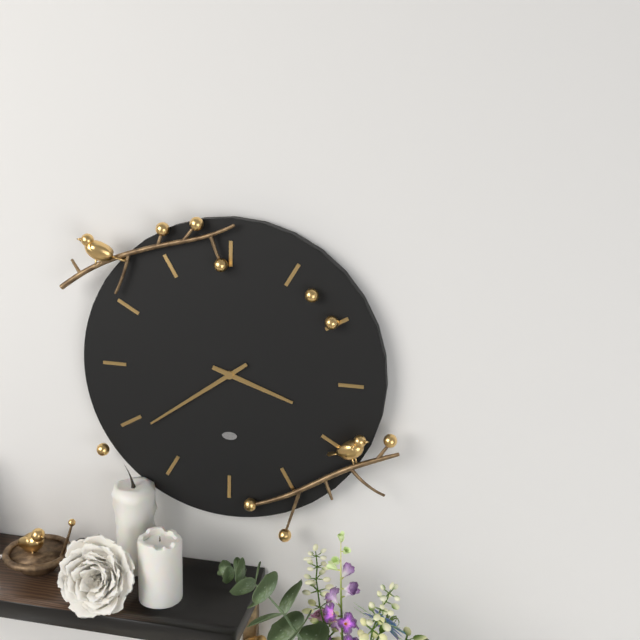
{"hour": 3, "minute": 39}
